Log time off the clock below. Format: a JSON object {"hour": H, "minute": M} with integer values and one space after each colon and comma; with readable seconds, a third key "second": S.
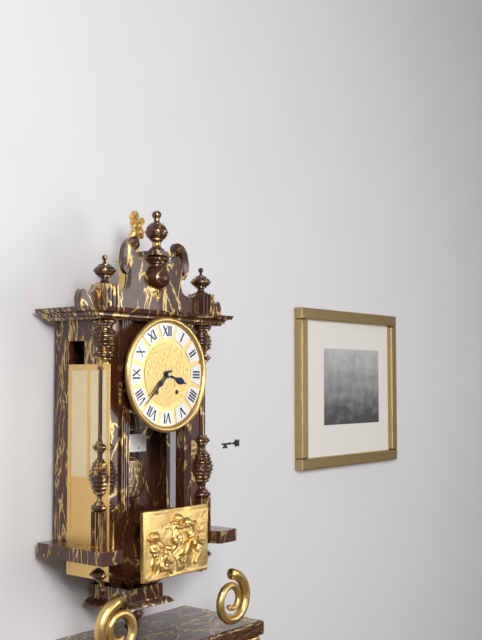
{"hour": 3, "minute": 38}
